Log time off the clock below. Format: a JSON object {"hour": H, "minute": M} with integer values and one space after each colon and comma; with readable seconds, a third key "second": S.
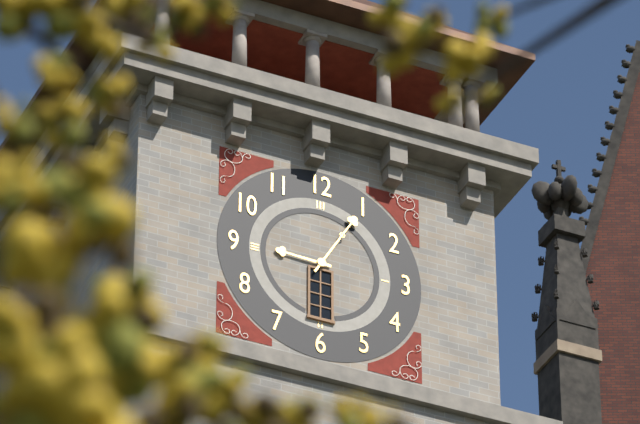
{"hour": 9, "minute": 5}
